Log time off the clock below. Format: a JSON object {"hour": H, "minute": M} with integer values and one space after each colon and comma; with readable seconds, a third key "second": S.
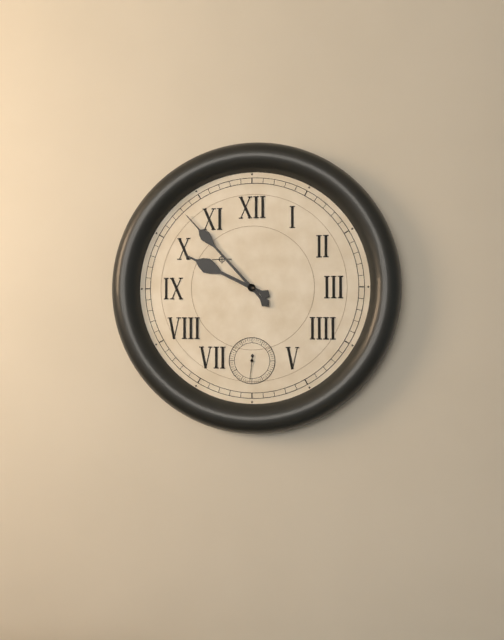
{"hour": 9, "minute": 53}
